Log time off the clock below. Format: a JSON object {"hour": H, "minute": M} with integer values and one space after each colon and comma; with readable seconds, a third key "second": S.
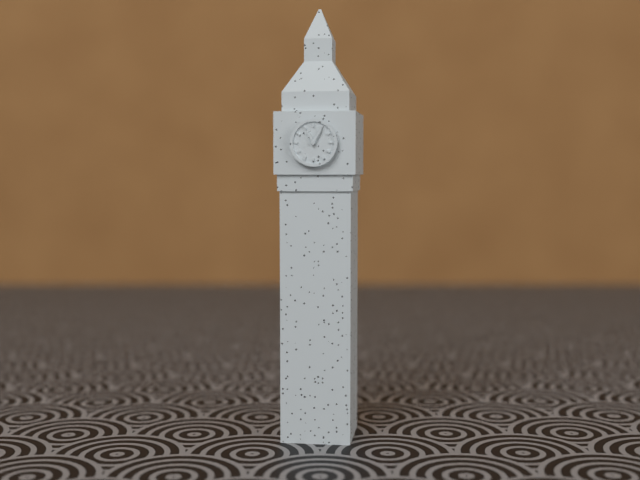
{"hour": 11, "minute": 5}
